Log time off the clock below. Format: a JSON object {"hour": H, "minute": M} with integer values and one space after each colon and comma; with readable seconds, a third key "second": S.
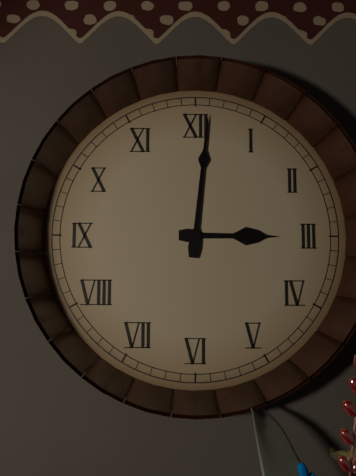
{"hour": 3, "minute": 1}
